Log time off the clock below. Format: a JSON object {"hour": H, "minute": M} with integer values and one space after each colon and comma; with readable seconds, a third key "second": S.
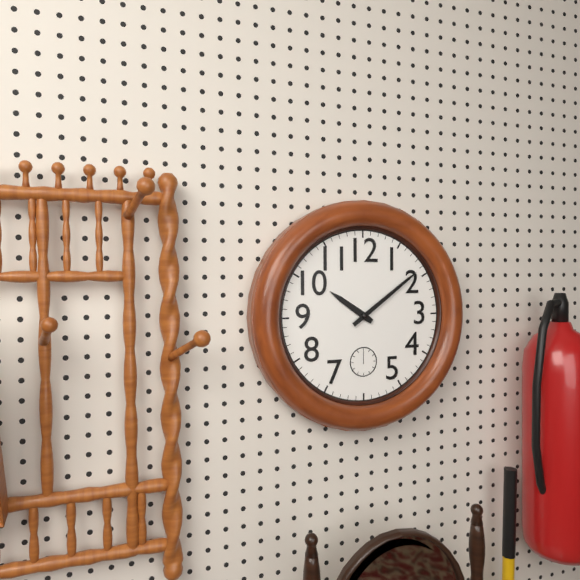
{"hour": 10, "minute": 9}
